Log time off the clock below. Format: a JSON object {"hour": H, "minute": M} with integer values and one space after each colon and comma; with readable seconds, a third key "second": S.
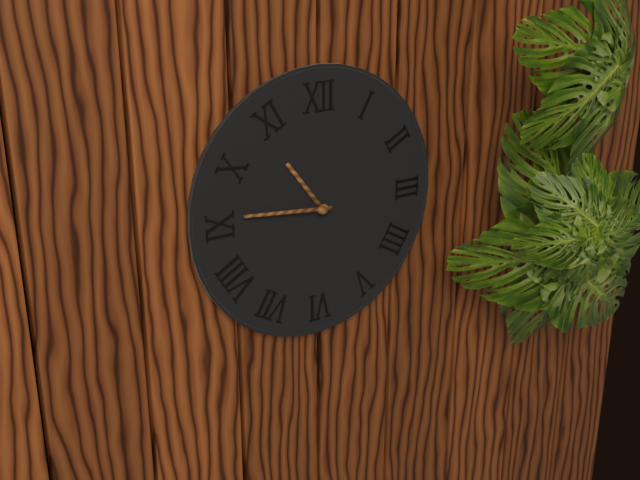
{"hour": 10, "minute": 46}
